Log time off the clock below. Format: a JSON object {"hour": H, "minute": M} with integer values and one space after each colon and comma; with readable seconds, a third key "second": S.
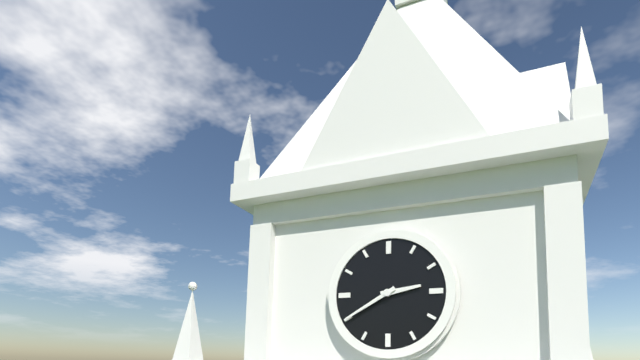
{"hour": 2, "minute": 40}
